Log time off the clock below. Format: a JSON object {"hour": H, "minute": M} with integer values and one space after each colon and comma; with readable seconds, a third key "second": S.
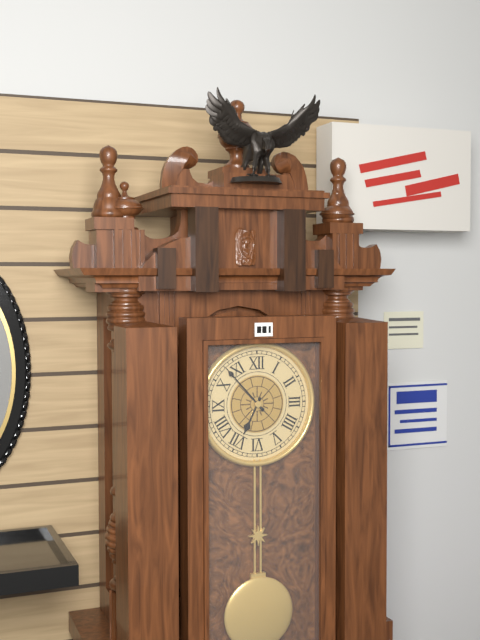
{"hour": 6, "minute": 53}
